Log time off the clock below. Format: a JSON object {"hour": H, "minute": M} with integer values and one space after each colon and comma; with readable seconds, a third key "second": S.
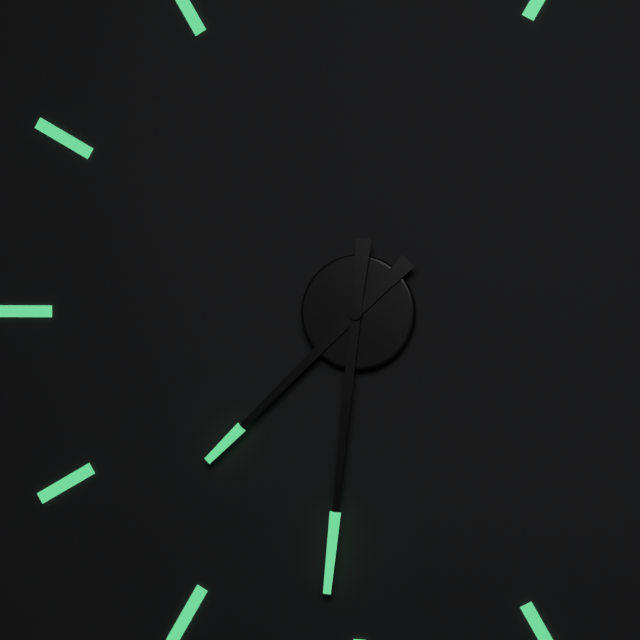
{"hour": 7, "minute": 31}
